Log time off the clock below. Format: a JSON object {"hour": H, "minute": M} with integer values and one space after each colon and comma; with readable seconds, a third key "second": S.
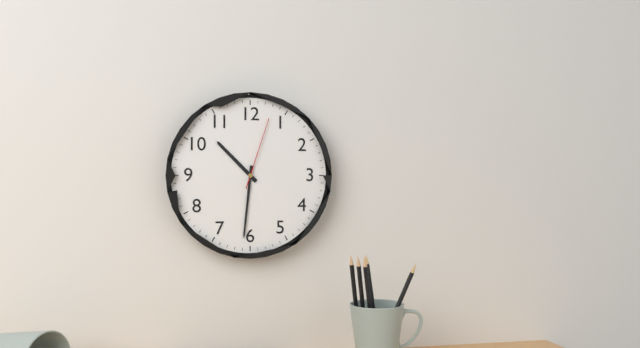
{"hour": 10, "minute": 31, "second": 3}
